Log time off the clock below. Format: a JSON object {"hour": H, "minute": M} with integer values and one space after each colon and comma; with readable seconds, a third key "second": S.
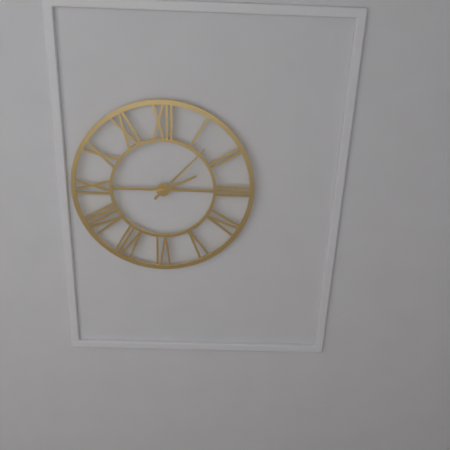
{"hour": 2, "minute": 7}
